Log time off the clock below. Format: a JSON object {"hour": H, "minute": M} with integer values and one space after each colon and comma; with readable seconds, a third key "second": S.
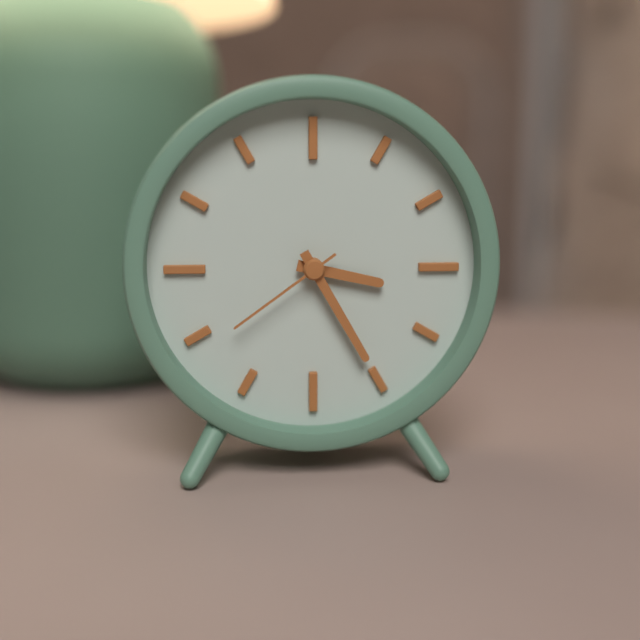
{"hour": 3, "minute": 25, "second": 39}
